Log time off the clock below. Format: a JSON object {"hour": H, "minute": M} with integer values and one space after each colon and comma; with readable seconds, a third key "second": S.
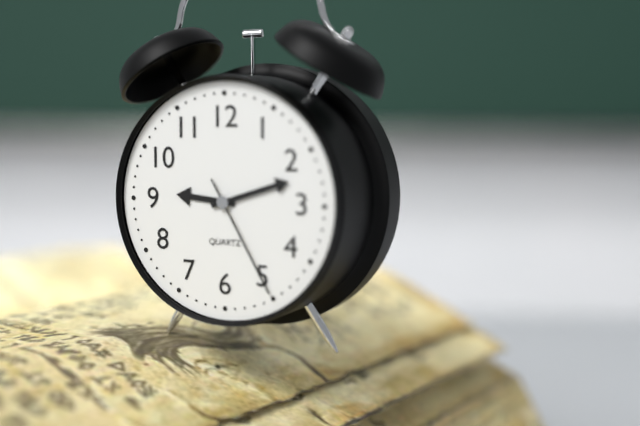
{"hour": 9, "minute": 12, "second": 25}
